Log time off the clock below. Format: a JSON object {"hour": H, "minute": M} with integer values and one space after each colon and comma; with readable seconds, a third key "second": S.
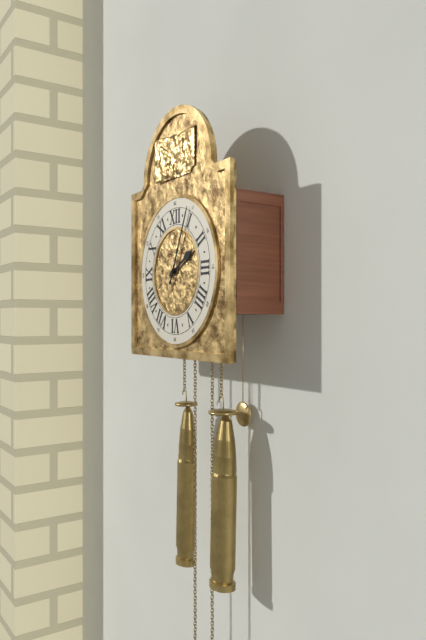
{"hour": 2, "minute": 4}
